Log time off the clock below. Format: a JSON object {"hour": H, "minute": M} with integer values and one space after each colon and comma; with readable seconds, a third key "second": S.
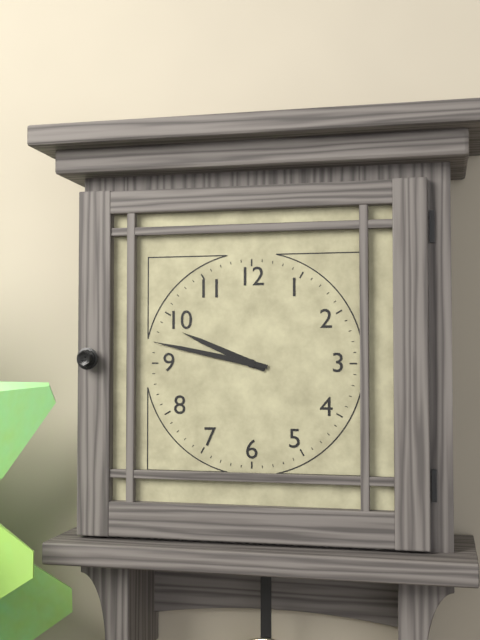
{"hour": 9, "minute": 47}
